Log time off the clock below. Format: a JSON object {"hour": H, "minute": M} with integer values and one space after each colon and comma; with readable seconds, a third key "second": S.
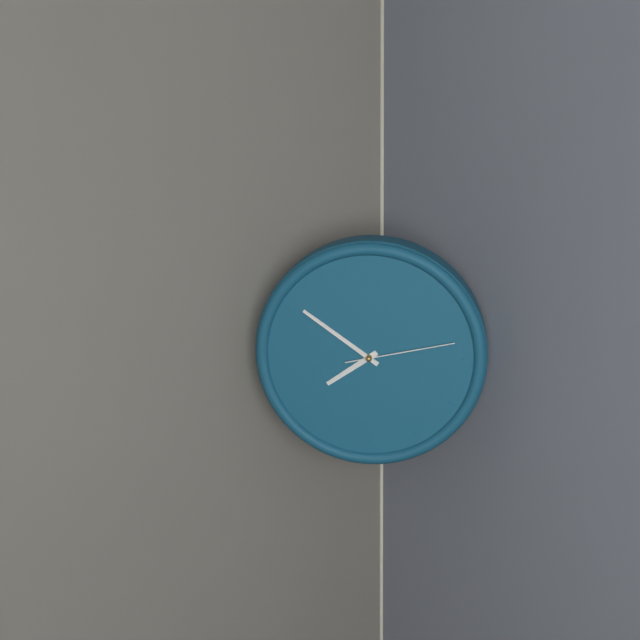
{"hour": 7, "minute": 51, "second": 13}
